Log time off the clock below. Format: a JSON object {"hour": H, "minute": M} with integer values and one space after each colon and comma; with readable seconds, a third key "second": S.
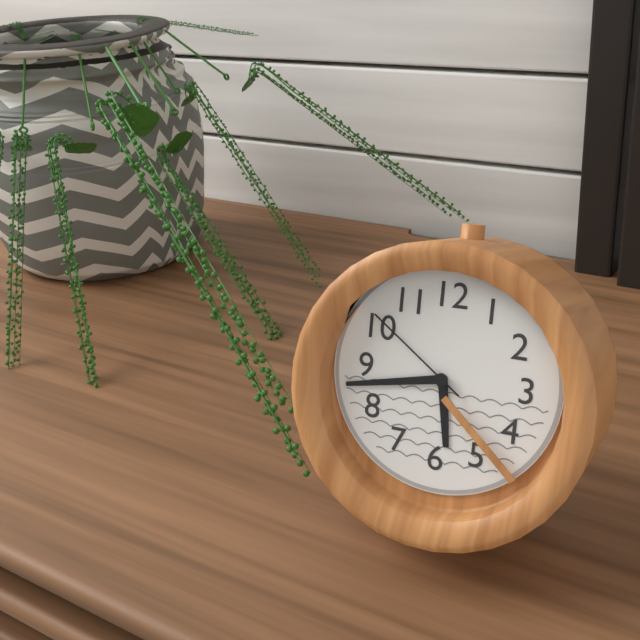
{"hour": 5, "minute": 43, "second": 51}
